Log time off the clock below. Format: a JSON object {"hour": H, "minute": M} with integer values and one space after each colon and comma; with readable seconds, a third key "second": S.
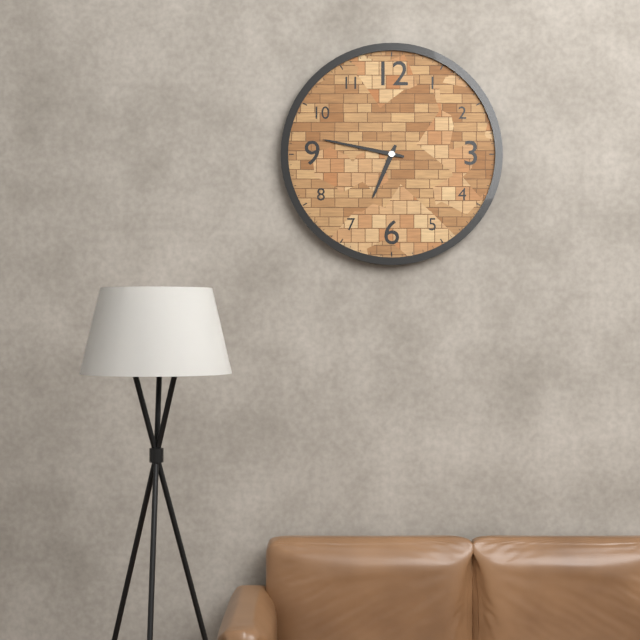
{"hour": 6, "minute": 47}
